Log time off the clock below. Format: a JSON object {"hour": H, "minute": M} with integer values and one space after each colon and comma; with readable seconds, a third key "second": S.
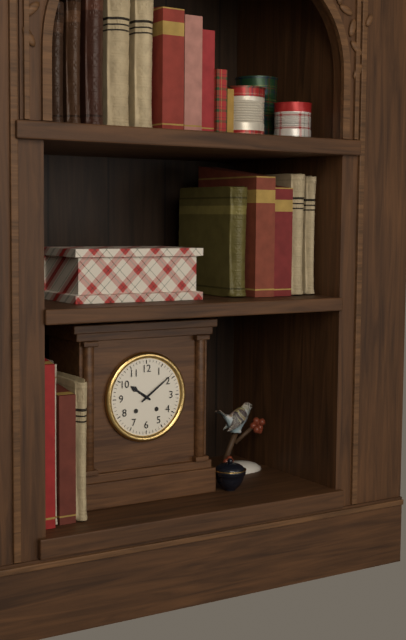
{"hour": 10, "minute": 9}
